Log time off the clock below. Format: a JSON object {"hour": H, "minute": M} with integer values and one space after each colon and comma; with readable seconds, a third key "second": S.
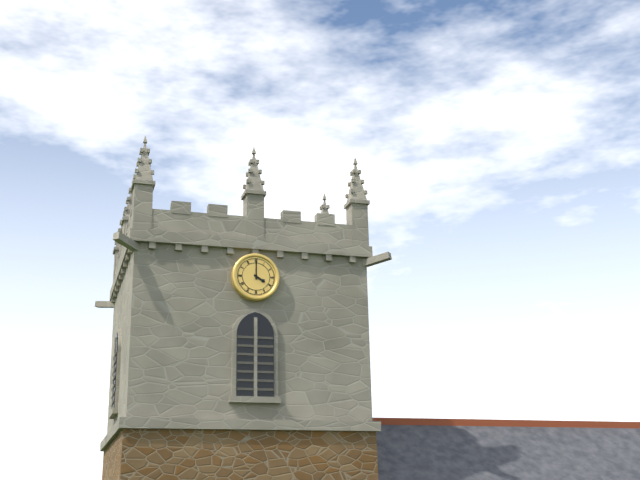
{"hour": 4, "minute": 0}
